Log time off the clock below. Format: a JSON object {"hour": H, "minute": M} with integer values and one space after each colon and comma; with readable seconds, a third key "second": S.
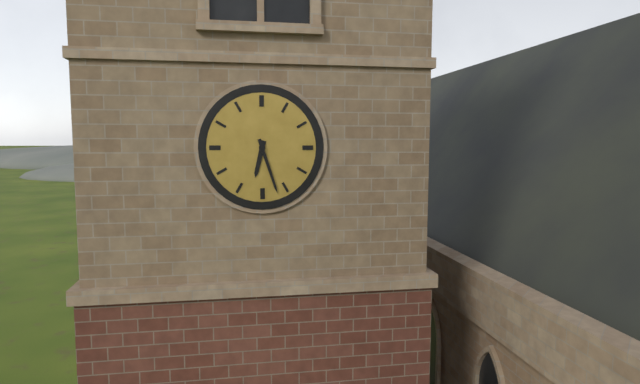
{"hour": 6, "minute": 27}
